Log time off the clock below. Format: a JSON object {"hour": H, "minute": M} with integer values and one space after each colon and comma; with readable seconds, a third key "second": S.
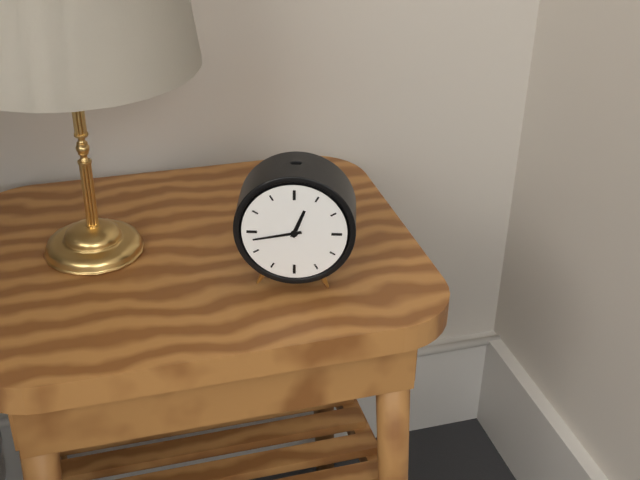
{"hour": 12, "minute": 43}
